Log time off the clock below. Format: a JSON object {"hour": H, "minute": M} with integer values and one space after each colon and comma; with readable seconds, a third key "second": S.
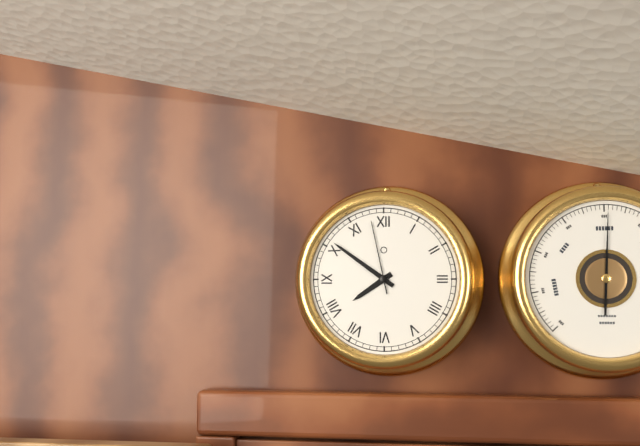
{"hour": 7, "minute": 51, "second": 58}
